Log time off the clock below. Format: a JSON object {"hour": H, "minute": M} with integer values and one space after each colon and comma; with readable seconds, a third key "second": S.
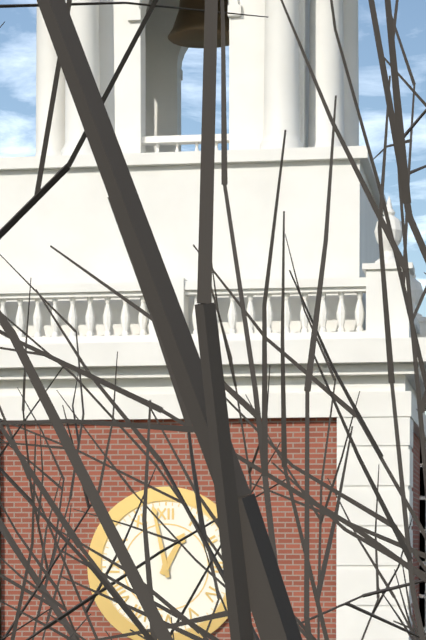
{"hour": 12, "minute": 58}
